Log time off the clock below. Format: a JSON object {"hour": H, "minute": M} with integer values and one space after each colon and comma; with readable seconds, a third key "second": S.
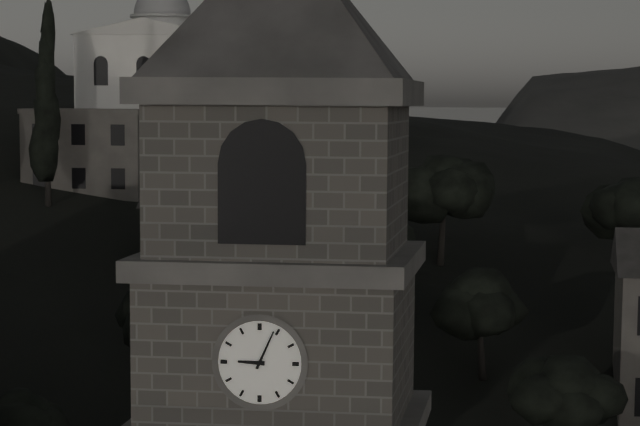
{"hour": 9, "minute": 4}
